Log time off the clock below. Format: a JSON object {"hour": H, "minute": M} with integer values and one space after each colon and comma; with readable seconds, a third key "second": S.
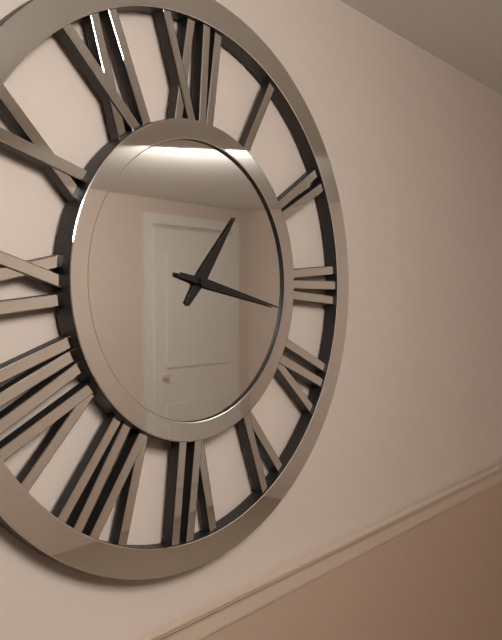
{"hour": 1, "minute": 17}
